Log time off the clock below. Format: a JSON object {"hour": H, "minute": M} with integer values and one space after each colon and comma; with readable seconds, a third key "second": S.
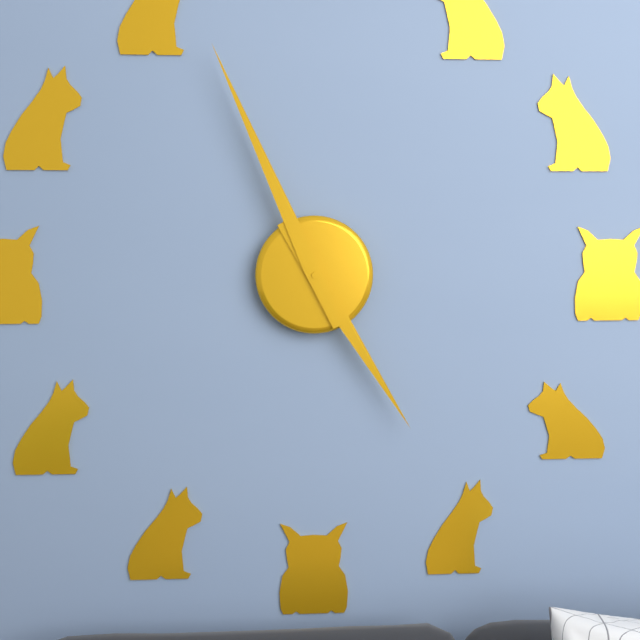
{"hour": 4, "minute": 56}
